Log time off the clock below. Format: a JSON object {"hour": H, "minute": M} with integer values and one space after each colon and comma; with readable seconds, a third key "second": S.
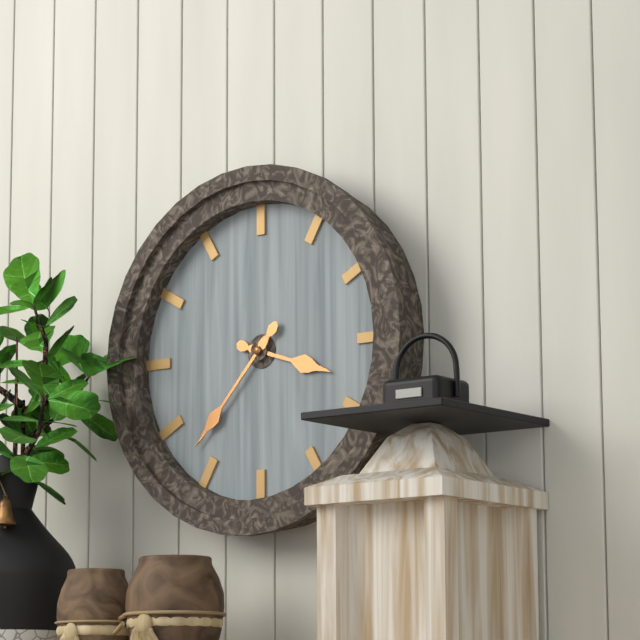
{"hour": 3, "minute": 37}
